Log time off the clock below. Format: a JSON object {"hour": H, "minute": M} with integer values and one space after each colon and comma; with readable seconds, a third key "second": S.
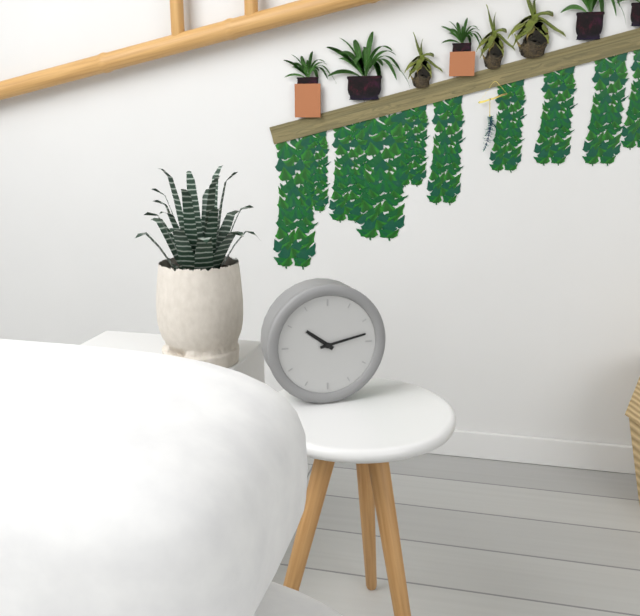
{"hour": 10, "minute": 13}
